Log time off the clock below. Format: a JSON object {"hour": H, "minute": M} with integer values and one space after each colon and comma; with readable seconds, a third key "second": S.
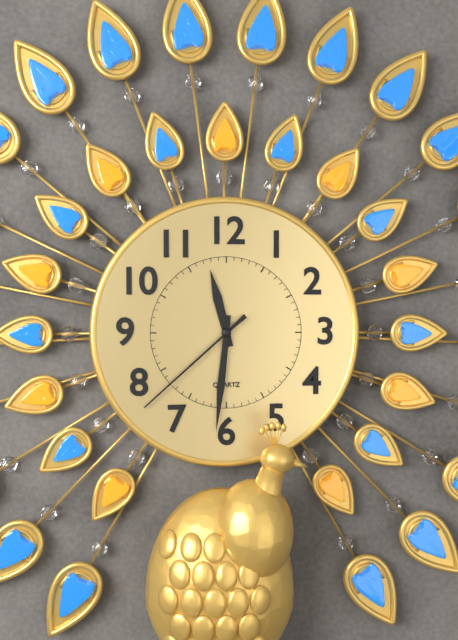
{"hour": 11, "minute": 31, "second": 38}
